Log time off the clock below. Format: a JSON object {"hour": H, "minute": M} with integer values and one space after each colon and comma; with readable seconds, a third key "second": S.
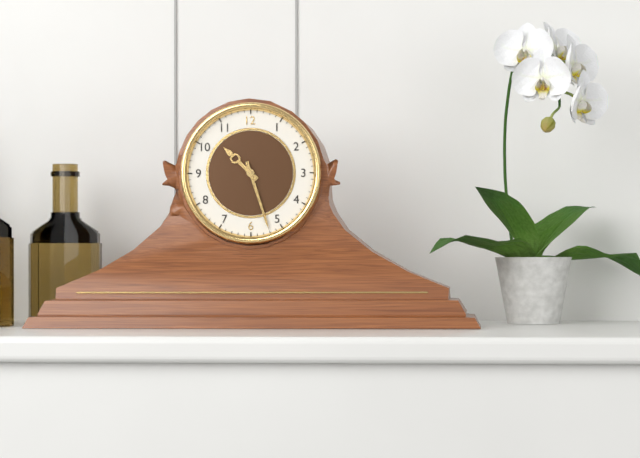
{"hour": 10, "minute": 27}
